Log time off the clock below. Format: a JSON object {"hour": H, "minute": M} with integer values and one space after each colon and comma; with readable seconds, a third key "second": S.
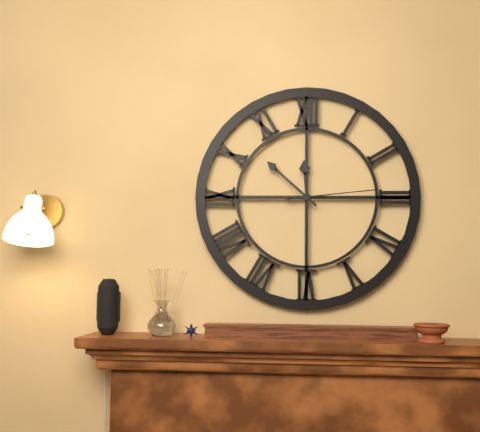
{"hour": 11, "minute": 52, "second": 14}
